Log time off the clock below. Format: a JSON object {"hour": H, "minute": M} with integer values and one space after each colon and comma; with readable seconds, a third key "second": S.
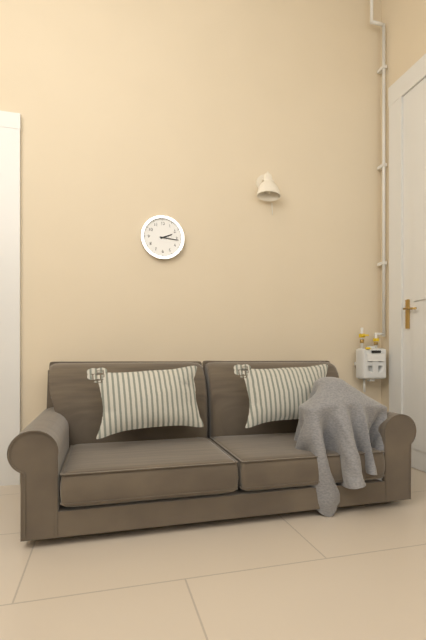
{"hour": 2, "minute": 16}
